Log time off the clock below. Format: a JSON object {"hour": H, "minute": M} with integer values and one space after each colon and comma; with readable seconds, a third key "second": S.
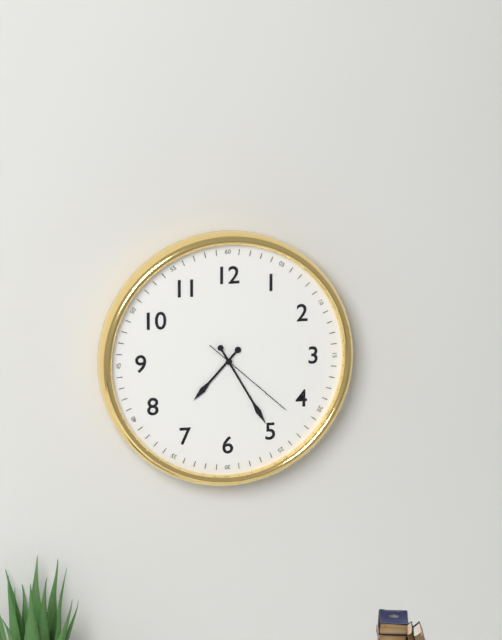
{"hour": 7, "minute": 25, "second": 22}
